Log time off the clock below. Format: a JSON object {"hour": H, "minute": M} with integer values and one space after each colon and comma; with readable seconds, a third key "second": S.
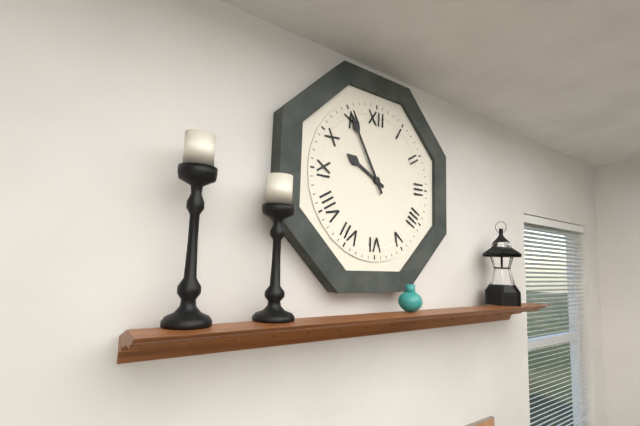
{"hour": 9, "minute": 55}
